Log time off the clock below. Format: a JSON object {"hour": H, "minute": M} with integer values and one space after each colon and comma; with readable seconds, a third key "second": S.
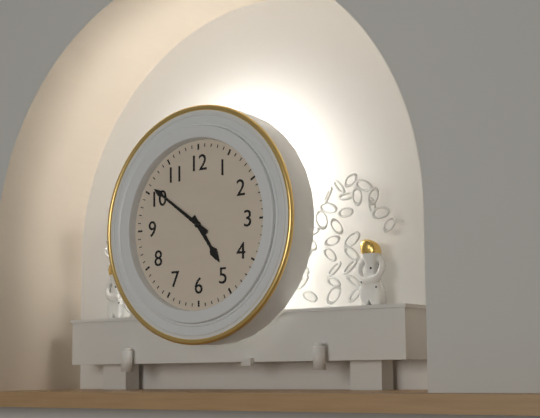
{"hour": 4, "minute": 51}
